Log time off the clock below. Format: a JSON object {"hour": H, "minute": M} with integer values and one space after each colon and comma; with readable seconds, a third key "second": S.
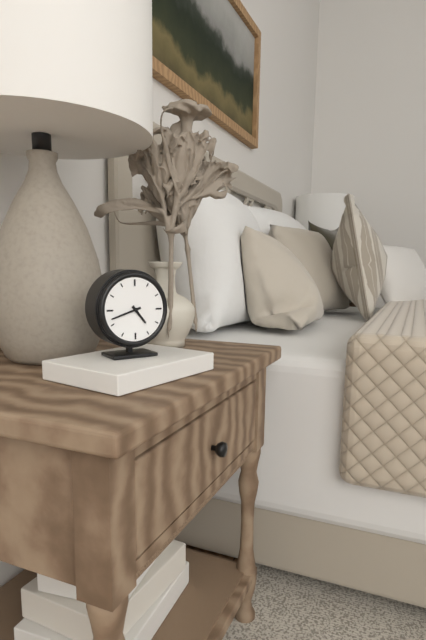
{"hour": 4, "minute": 42}
